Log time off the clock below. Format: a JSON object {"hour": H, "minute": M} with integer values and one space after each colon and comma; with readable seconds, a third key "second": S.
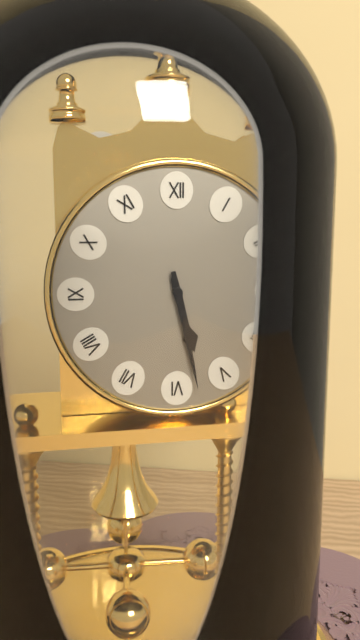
{"hour": 5, "minute": 28}
